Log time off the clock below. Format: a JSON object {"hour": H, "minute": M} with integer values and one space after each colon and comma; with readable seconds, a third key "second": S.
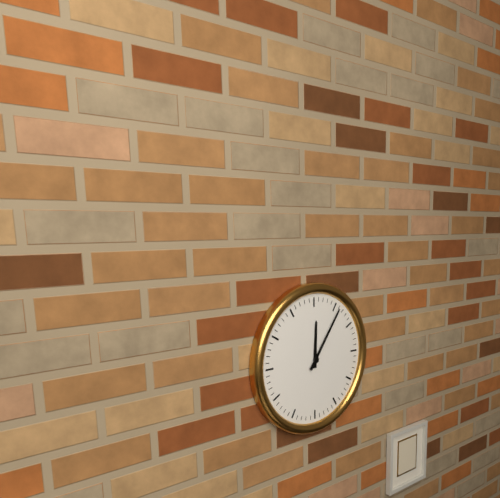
{"hour": 12, "minute": 6}
